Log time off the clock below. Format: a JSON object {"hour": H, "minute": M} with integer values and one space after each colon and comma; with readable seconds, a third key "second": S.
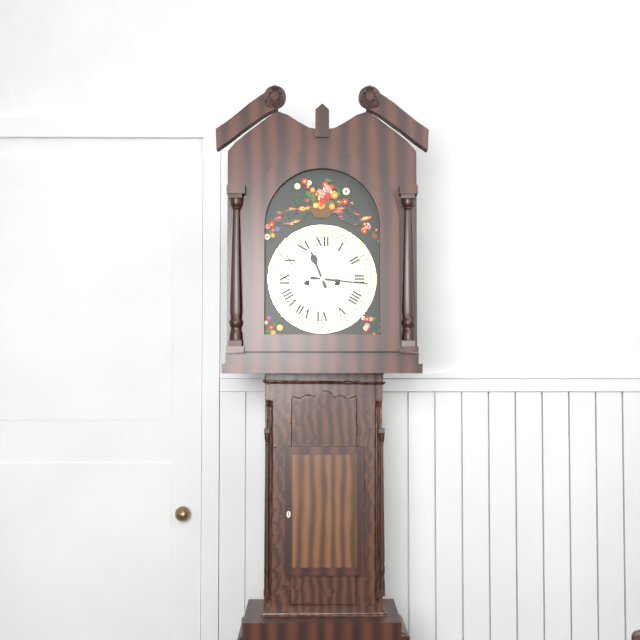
{"hour": 11, "minute": 16}
